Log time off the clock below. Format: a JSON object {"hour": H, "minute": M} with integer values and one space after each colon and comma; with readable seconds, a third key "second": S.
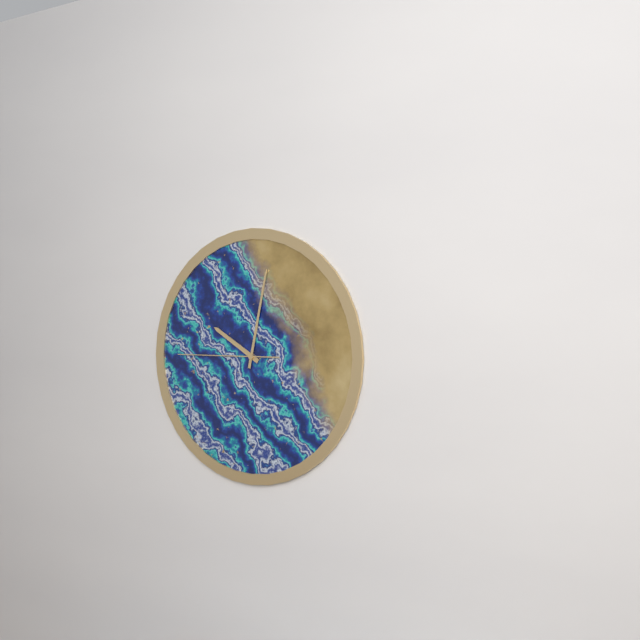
{"hour": 10, "minute": 2, "second": 45}
